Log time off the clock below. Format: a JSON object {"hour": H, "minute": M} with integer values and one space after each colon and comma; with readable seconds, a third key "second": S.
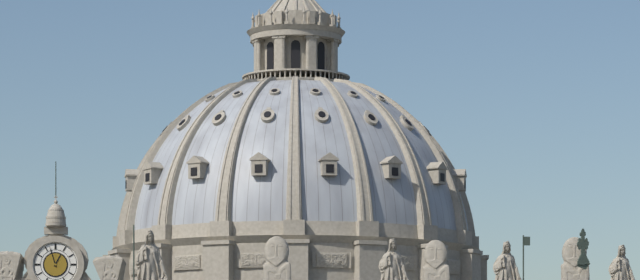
{"hour": 12, "minute": 57}
